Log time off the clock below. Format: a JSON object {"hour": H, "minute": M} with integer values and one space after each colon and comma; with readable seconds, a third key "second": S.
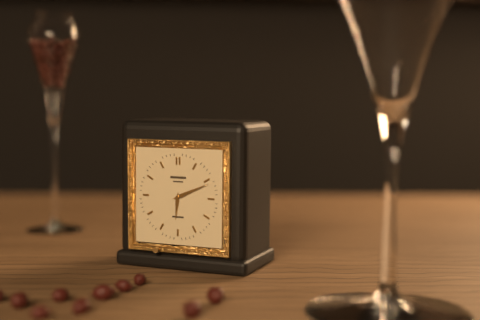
{"hour": 6, "minute": 11}
